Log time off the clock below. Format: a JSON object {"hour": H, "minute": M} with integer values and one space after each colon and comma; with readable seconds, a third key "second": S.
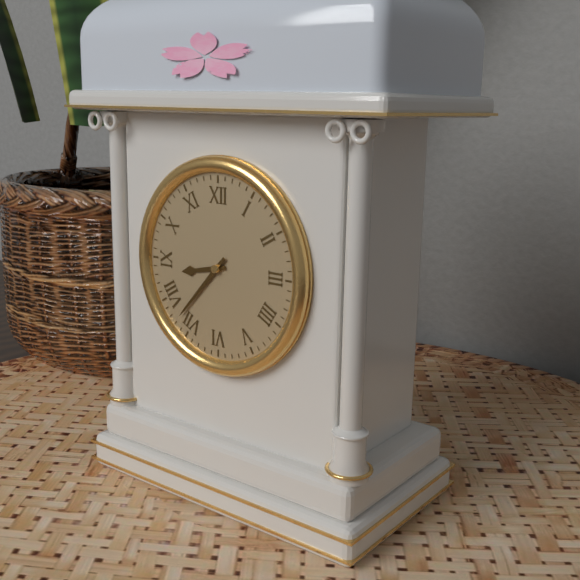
{"hour": 8, "minute": 37}
